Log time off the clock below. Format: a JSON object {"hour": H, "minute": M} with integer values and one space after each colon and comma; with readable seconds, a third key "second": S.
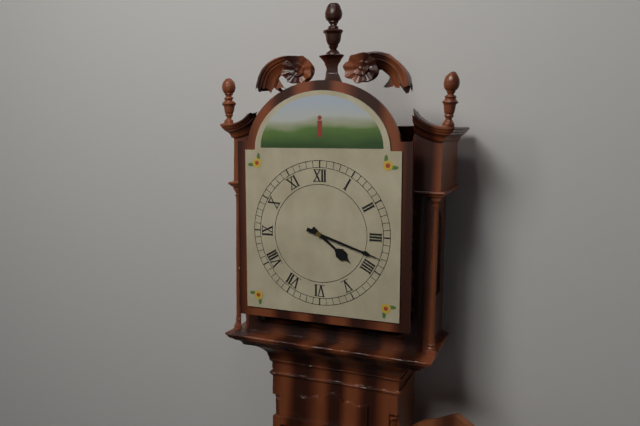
{"hour": 4, "minute": 18}
